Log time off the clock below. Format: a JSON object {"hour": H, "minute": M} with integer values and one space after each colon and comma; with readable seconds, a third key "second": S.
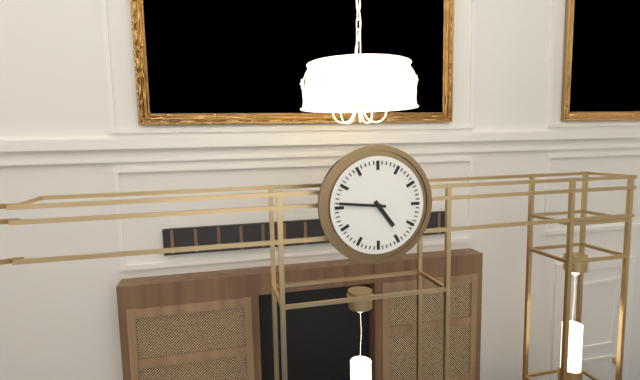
{"hour": 4, "minute": 46}
